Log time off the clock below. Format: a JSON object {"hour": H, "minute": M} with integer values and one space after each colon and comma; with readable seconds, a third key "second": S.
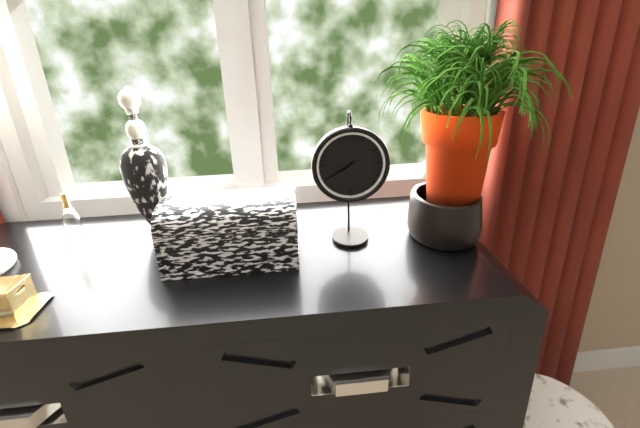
{"hour": 7, "minute": 40}
